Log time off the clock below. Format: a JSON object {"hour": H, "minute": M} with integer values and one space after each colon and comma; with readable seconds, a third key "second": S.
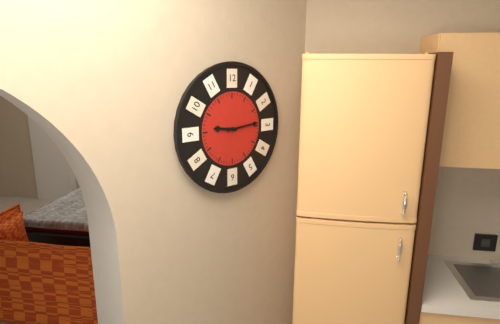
{"hour": 9, "minute": 14}
